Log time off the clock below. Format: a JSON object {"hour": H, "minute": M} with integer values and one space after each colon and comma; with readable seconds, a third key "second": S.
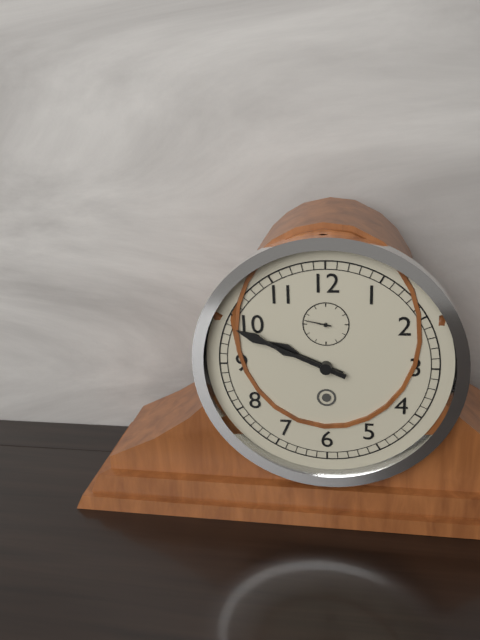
{"hour": 9, "minute": 49}
